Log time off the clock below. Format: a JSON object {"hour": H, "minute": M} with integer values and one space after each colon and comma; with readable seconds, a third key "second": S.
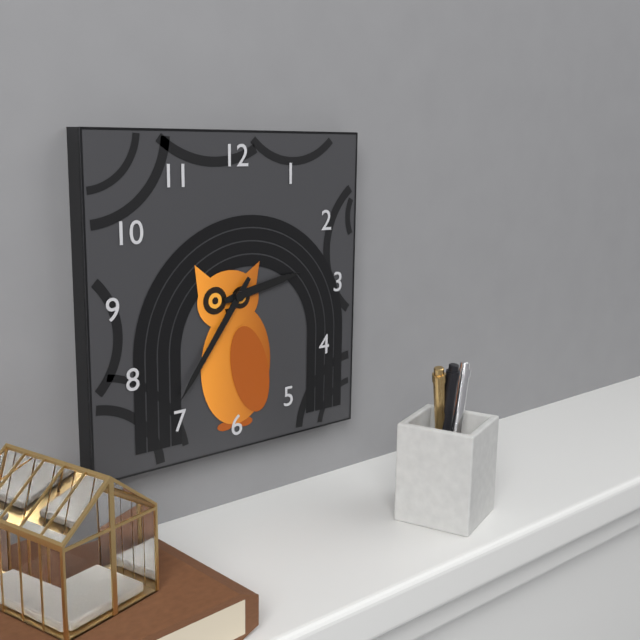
{"hour": 2, "minute": 36}
